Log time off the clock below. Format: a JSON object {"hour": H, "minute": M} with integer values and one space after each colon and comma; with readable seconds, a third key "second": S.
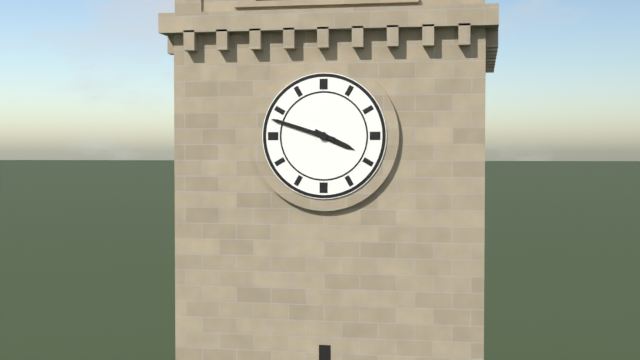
{"hour": 3, "minute": 48}
